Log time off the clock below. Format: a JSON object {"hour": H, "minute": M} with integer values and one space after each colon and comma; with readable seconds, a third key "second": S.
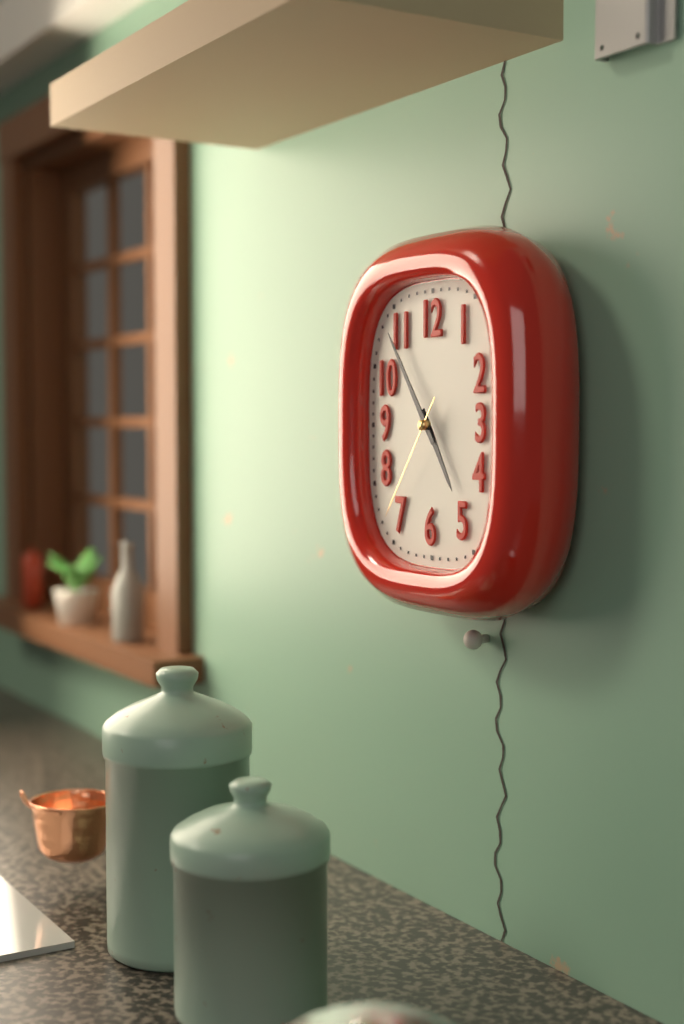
{"hour": 4, "minute": 54, "second": 36}
